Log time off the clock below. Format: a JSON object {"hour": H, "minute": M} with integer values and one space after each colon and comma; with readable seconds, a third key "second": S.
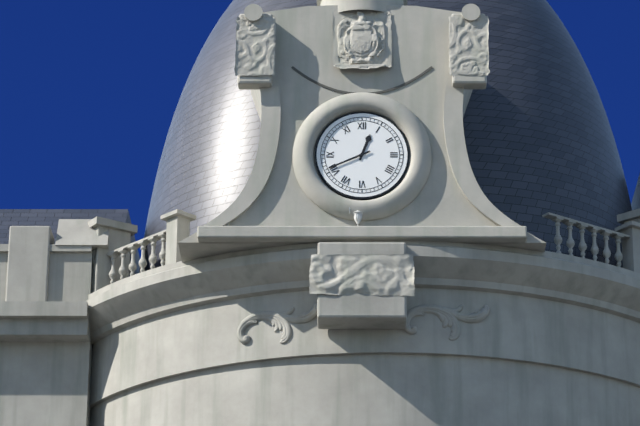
{"hour": 12, "minute": 41}
